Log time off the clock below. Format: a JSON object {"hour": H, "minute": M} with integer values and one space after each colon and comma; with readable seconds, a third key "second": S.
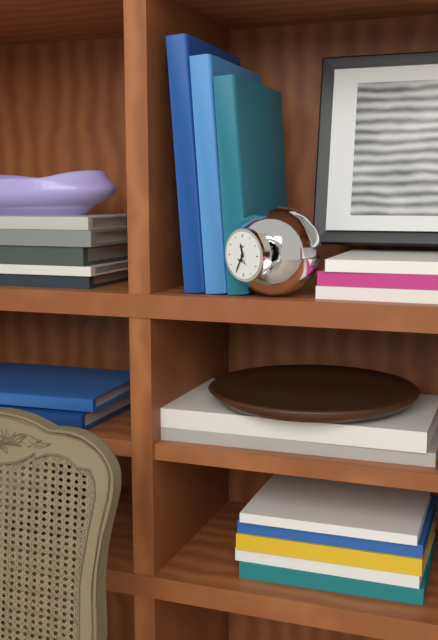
{"hour": 11, "minute": 35}
